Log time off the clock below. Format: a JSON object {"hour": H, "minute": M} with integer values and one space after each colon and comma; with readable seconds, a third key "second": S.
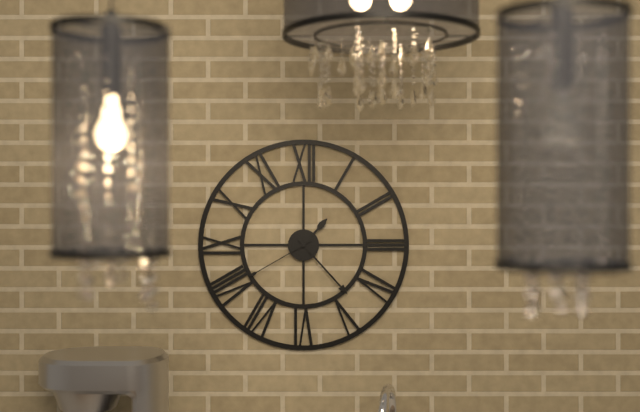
{"hour": 1, "minute": 23, "second": 40}
